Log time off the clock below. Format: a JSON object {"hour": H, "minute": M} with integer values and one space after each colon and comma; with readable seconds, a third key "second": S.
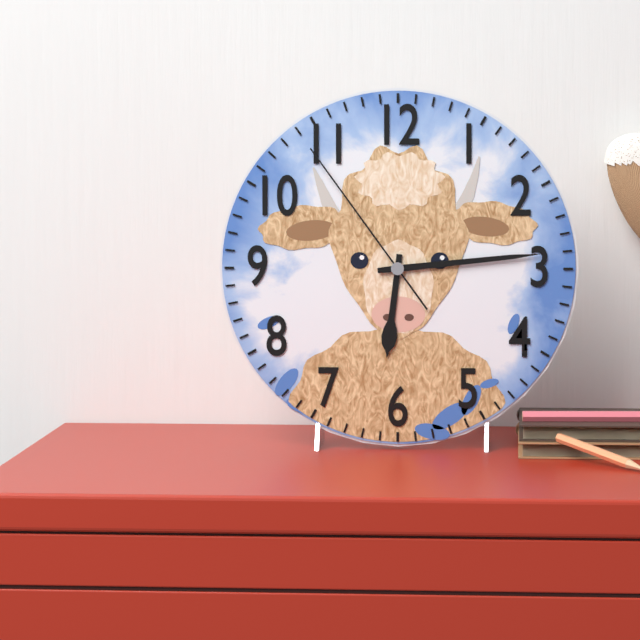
{"hour": 6, "minute": 14, "second": 54}
